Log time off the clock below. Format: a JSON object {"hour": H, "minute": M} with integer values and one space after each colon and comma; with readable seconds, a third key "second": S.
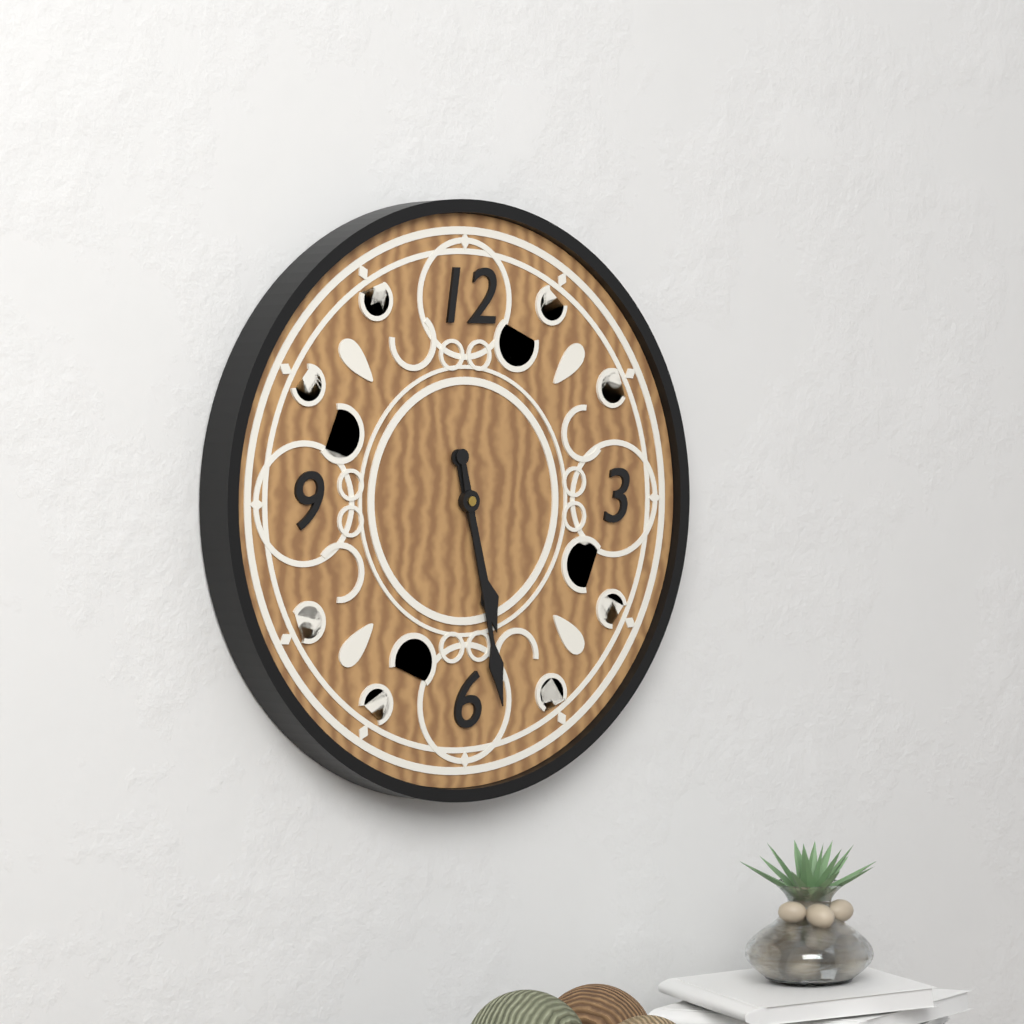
{"hour": 5, "minute": 28}
